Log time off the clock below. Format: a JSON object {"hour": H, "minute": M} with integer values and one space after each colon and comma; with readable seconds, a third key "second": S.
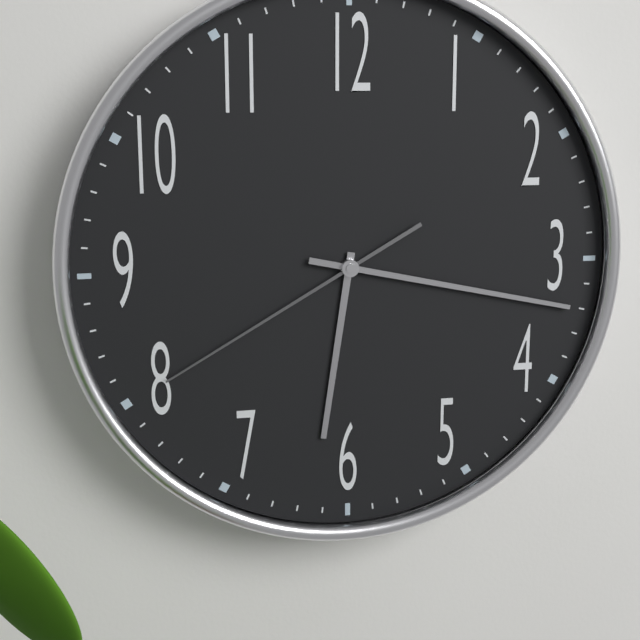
{"hour": 6, "minute": 17, "second": 40}
